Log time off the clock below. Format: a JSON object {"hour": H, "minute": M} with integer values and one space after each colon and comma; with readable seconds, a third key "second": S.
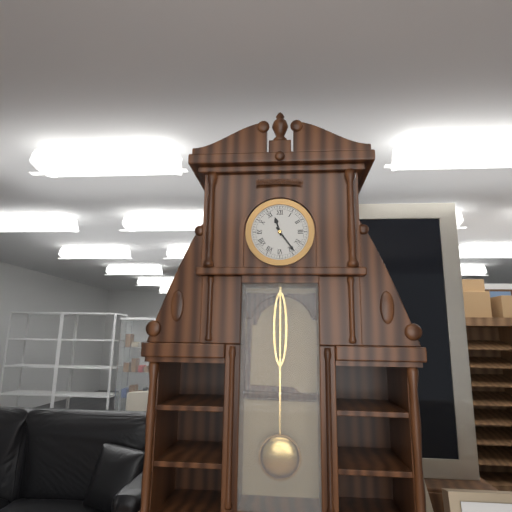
{"hour": 11, "minute": 24}
